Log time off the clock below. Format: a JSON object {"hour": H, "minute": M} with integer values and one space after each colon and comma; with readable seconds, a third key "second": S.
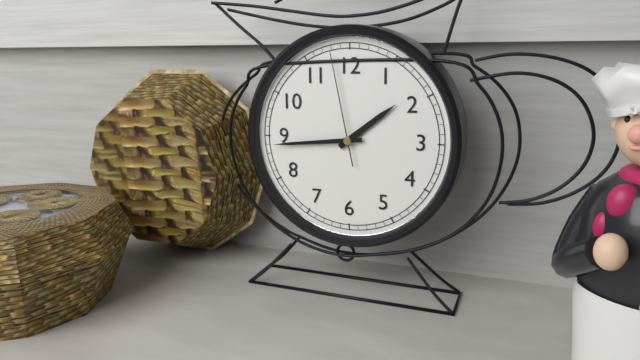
{"hour": 1, "minute": 44, "second": 58}
